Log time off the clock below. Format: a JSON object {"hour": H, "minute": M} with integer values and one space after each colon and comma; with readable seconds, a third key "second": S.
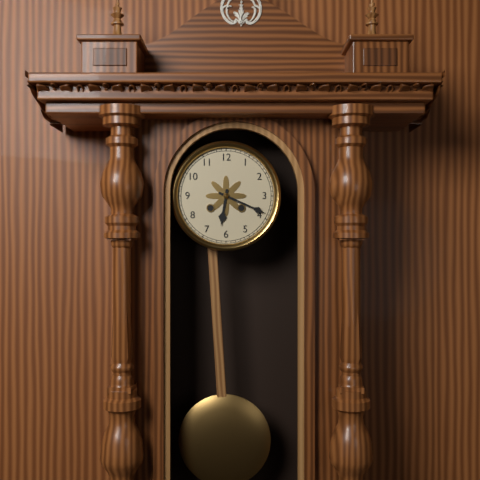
{"hour": 6, "minute": 19}
